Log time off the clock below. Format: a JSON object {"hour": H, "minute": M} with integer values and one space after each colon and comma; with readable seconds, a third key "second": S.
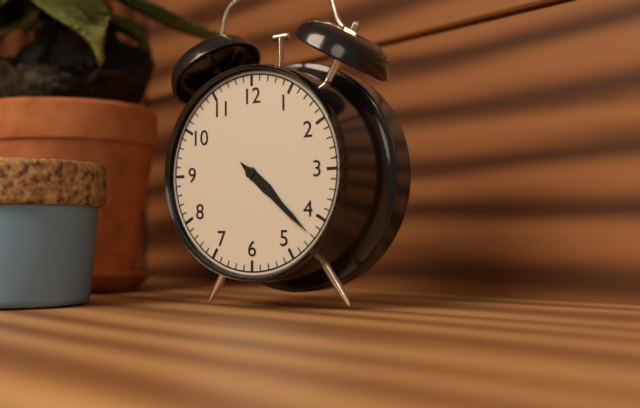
{"hour": 4, "minute": 22}
